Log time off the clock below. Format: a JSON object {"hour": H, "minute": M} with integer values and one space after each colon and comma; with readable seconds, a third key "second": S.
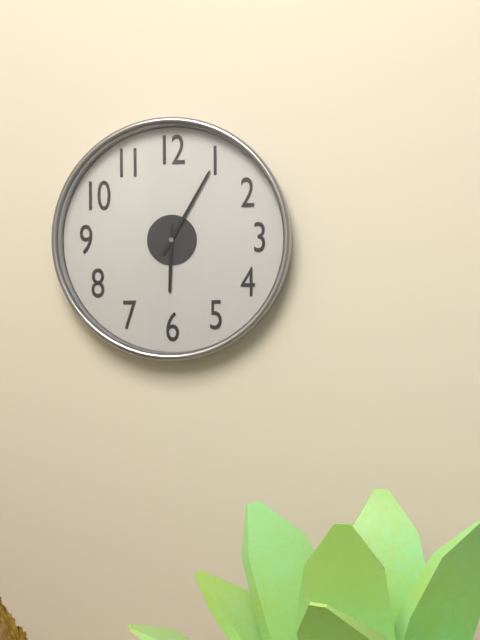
{"hour": 6, "minute": 5}
